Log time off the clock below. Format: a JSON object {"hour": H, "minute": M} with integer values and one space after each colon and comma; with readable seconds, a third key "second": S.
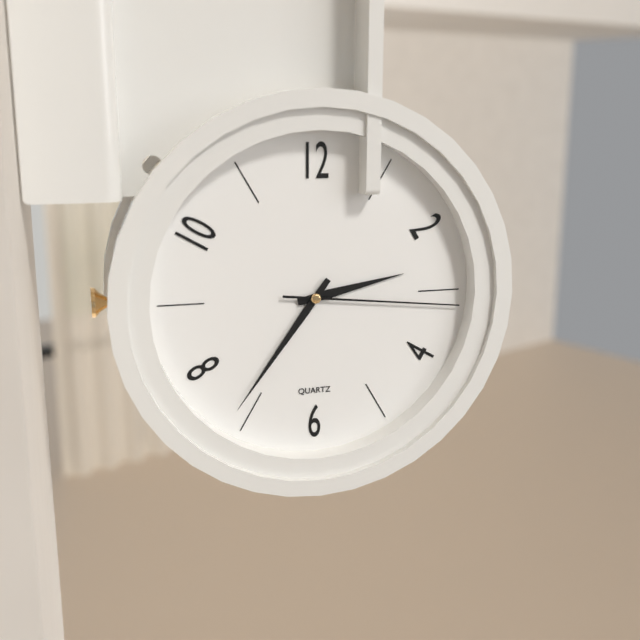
{"hour": 2, "minute": 36, "second": 16}
